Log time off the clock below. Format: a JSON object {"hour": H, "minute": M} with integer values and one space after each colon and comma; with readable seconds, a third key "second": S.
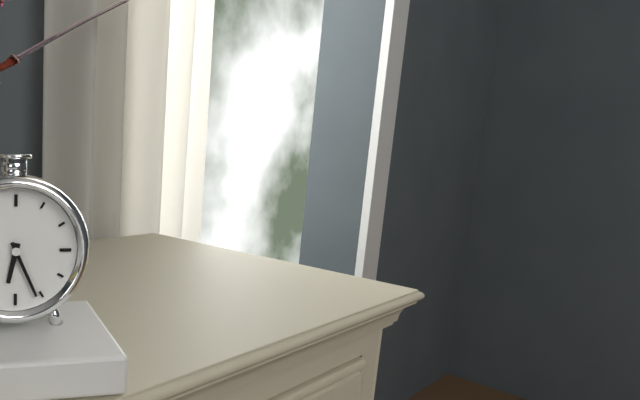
{"hour": 6, "minute": 26}
